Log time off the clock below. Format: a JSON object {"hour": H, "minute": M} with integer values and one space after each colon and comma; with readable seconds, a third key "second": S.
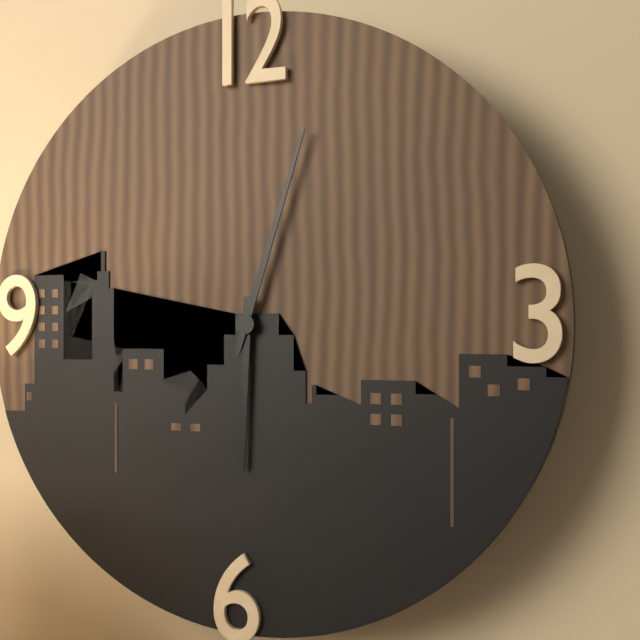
{"hour": 6, "minute": 3}
